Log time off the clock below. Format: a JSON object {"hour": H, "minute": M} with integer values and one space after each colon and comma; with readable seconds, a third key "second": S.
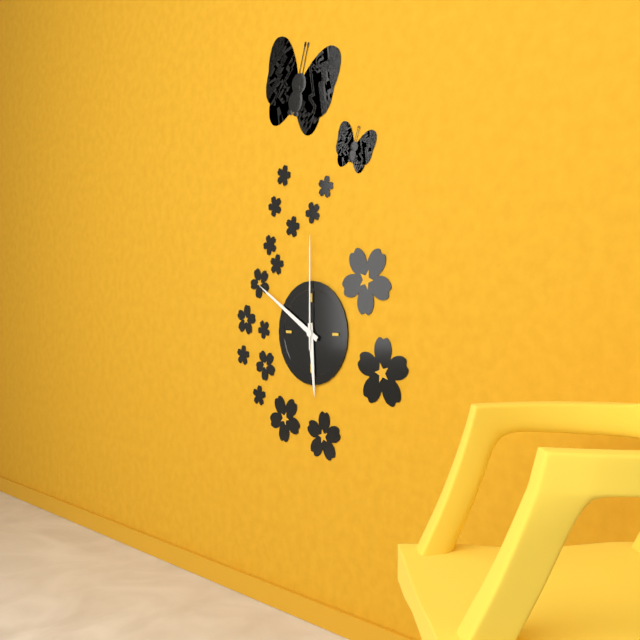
{"hour": 5, "minute": 50, "second": 0}
